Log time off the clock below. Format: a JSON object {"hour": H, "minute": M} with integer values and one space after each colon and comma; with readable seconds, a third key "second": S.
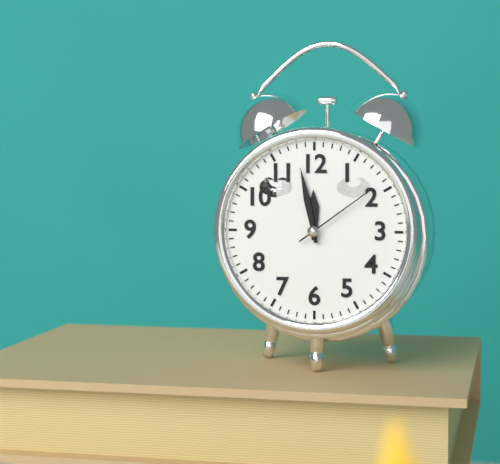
{"hour": 11, "minute": 58, "second": 9}
